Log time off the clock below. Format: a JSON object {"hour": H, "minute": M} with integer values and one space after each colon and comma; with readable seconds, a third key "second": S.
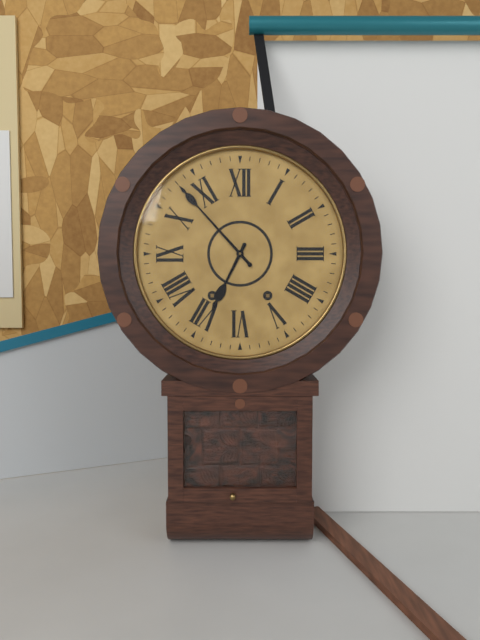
{"hour": 6, "minute": 53}
